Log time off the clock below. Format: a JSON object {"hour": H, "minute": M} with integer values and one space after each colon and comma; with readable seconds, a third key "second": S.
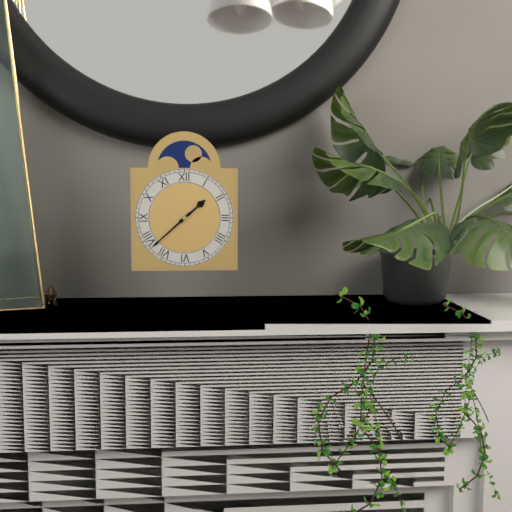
{"hour": 1, "minute": 38}
